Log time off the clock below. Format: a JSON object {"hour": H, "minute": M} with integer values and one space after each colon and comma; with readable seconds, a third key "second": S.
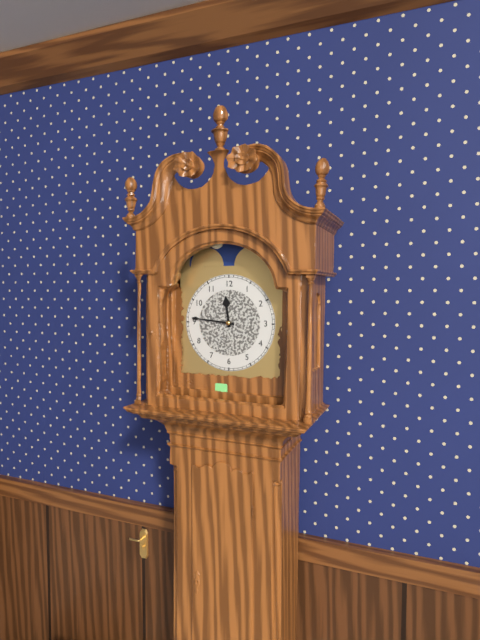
{"hour": 11, "minute": 46}
